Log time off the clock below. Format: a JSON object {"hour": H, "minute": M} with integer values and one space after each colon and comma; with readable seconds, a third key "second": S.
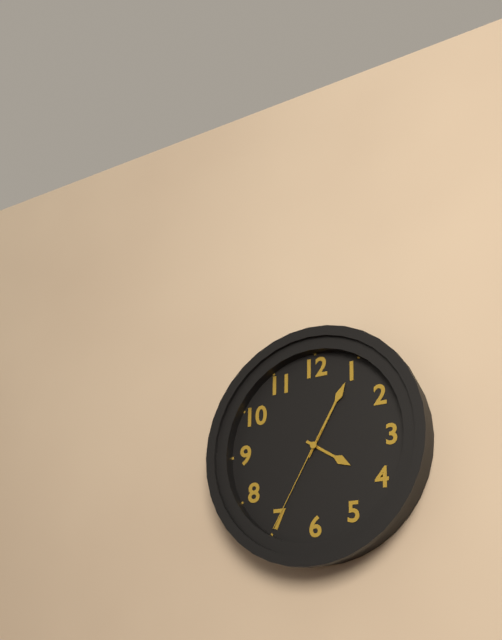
{"hour": 4, "minute": 5, "second": 35}
